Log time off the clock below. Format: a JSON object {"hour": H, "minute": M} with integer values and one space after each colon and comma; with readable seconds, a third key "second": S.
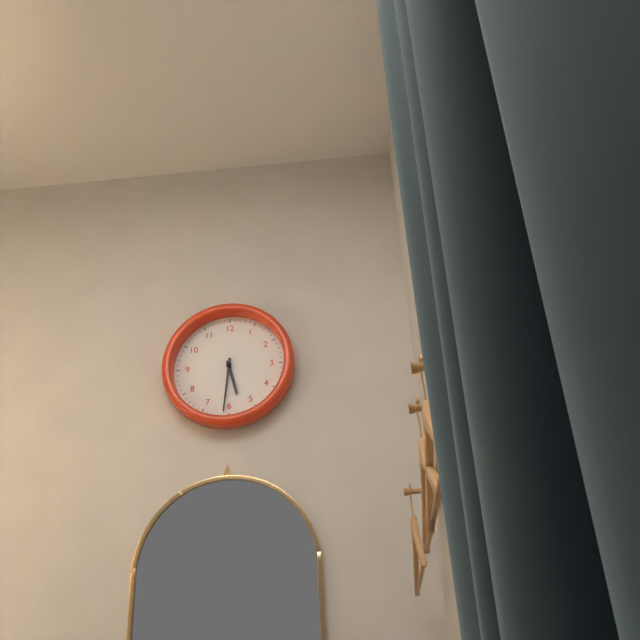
{"hour": 5, "minute": 31}
